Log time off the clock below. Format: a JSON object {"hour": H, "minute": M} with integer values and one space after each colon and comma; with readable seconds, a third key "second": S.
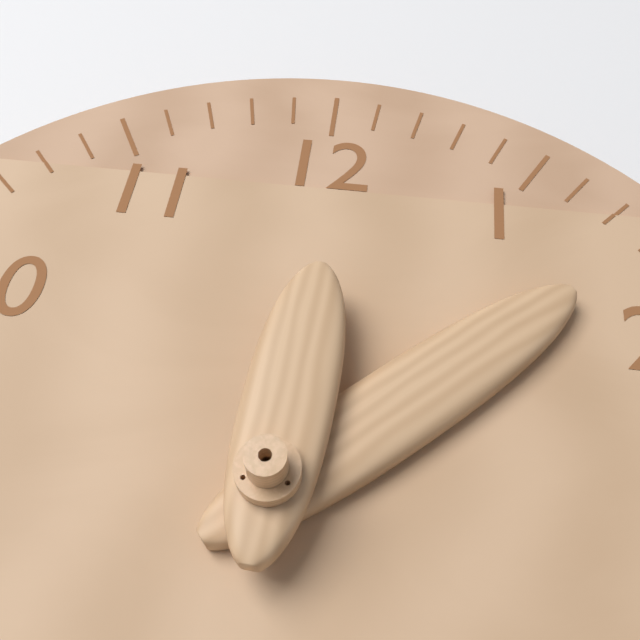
{"hour": 12, "minute": 8}
